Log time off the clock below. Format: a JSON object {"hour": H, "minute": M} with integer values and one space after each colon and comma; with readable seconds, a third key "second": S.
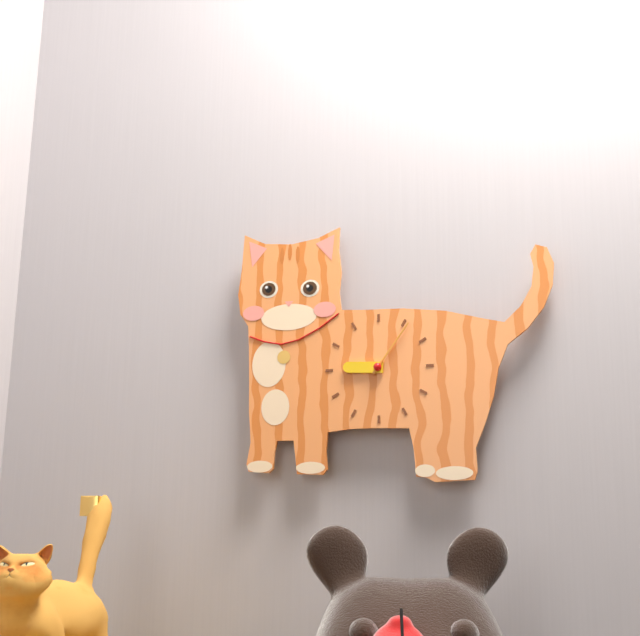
{"hour": 9, "minute": 6}
